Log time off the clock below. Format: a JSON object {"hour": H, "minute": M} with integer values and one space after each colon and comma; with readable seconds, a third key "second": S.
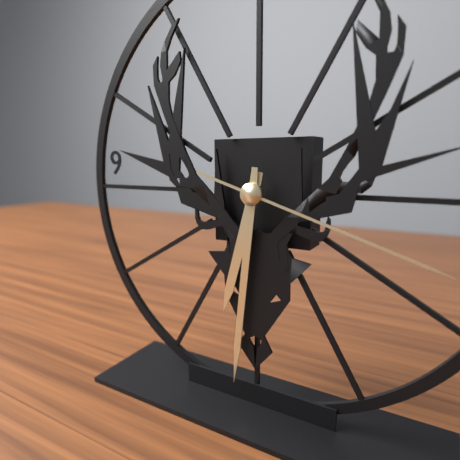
{"hour": 6, "minute": 31, "second": 18}
